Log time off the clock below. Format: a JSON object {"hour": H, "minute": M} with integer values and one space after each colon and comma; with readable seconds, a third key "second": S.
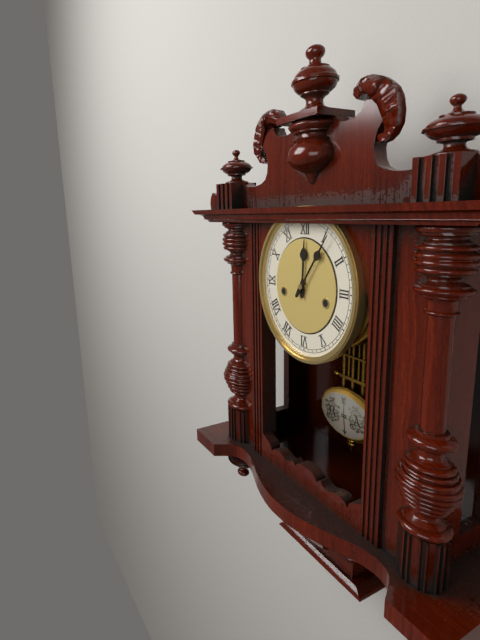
{"hour": 12, "minute": 6}
